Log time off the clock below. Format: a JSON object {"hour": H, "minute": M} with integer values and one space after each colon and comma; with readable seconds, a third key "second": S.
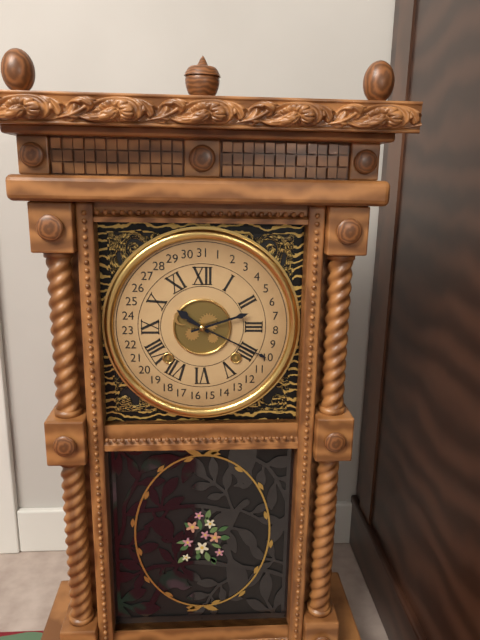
{"hour": 10, "minute": 12}
